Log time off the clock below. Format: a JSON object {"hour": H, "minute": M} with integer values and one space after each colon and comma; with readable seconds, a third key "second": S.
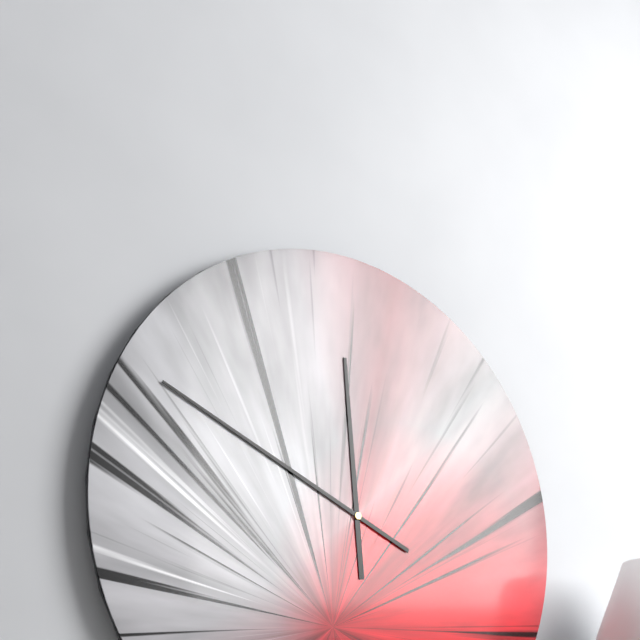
{"hour": 11, "minute": 49}
